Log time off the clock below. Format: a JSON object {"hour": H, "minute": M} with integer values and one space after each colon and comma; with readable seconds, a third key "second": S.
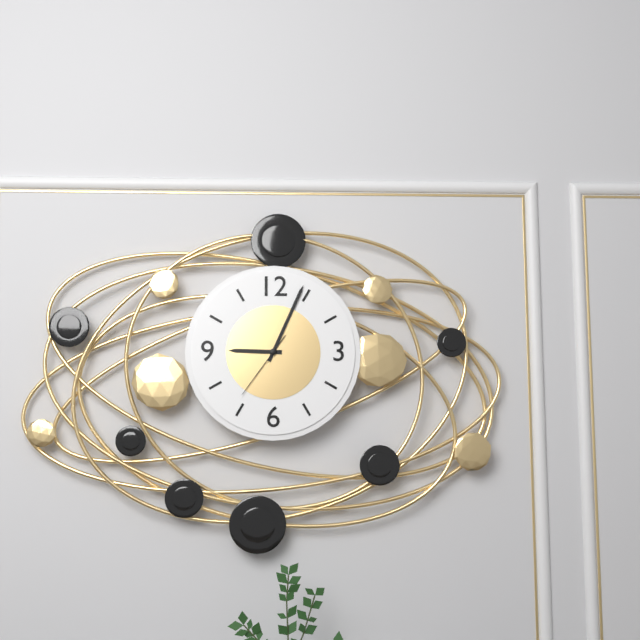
{"hour": 9, "minute": 4, "second": 36}
